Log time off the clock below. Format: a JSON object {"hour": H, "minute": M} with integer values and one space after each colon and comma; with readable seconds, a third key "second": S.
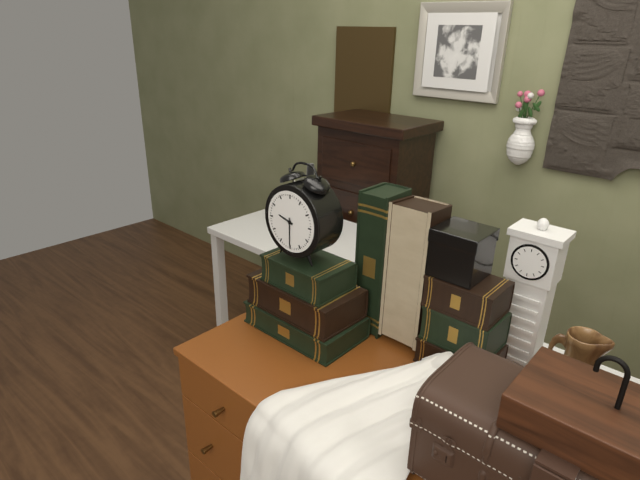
{"hour": 9, "minute": 30}
